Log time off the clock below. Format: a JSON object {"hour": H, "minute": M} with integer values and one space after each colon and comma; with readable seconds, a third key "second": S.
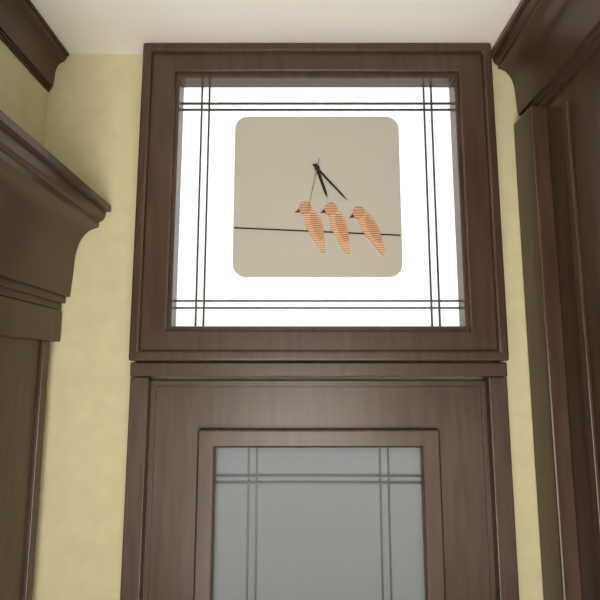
{"hour": 5, "minute": 23, "second": 32}
